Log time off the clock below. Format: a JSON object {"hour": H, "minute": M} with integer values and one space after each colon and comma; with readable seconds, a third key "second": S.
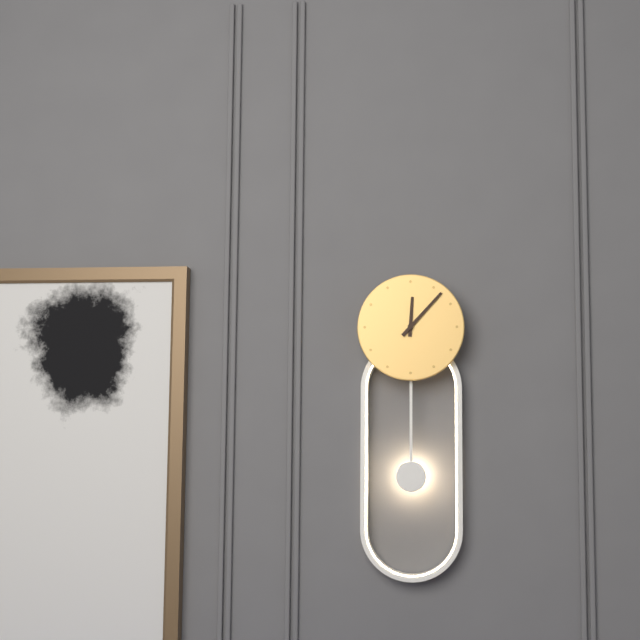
{"hour": 12, "minute": 7}
